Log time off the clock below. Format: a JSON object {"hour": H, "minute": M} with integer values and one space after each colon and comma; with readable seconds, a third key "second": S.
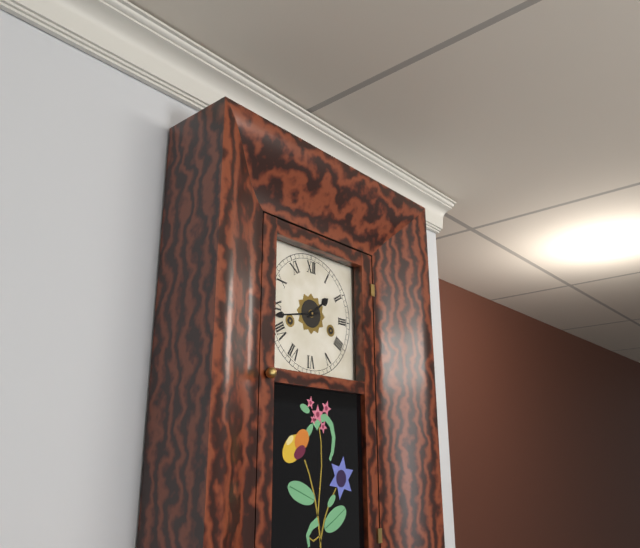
{"hour": 1, "minute": 43}
